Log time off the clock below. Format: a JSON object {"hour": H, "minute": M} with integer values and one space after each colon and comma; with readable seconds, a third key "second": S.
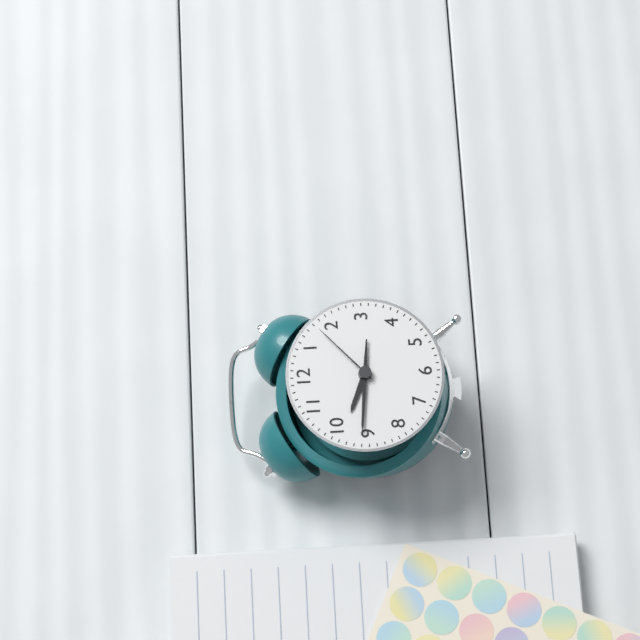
{"hour": 9, "minute": 46, "second": 8}
